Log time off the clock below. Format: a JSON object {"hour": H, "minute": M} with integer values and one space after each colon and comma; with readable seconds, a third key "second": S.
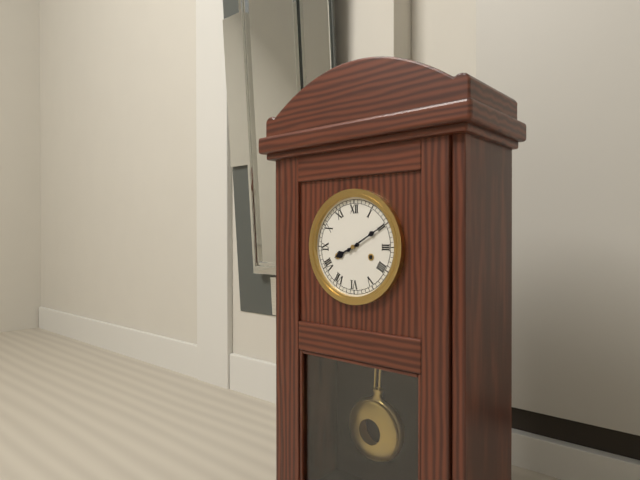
{"hour": 8, "minute": 10}
